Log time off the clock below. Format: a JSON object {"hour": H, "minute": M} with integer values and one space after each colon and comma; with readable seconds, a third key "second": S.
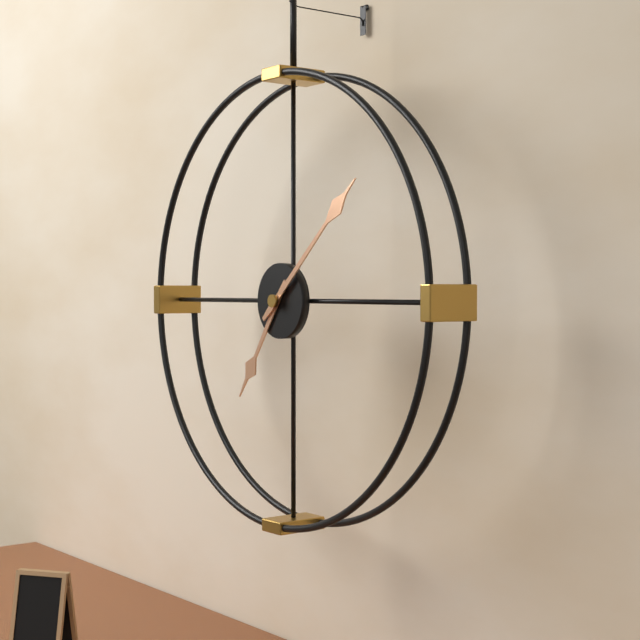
{"hour": 7, "minute": 8}
